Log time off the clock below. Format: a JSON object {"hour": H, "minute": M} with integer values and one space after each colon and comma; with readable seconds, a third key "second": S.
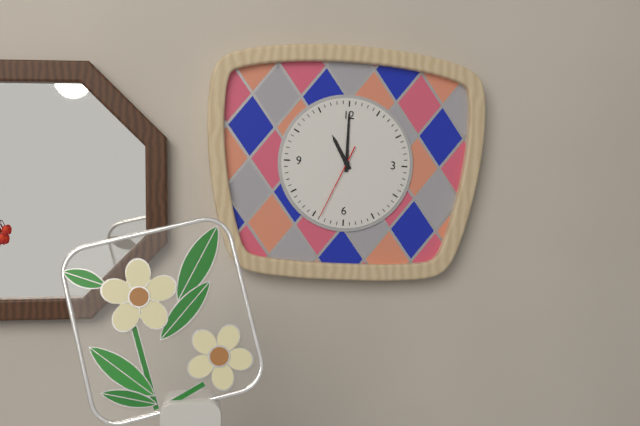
{"hour": 11, "minute": 0, "second": 34}
